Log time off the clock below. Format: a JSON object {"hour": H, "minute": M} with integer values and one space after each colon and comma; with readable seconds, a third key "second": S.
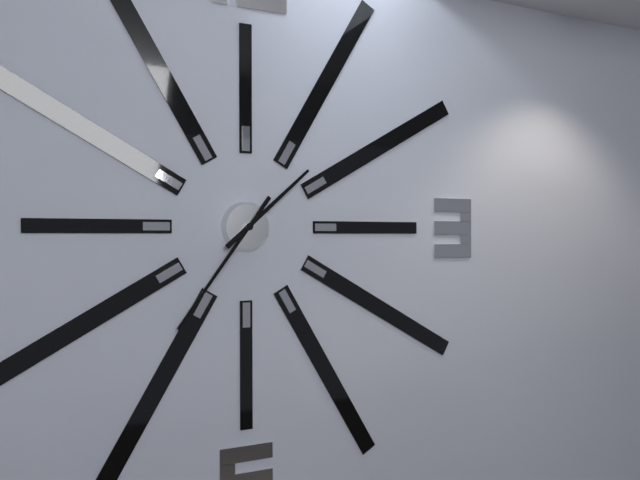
{"hour": 1, "minute": 36}
